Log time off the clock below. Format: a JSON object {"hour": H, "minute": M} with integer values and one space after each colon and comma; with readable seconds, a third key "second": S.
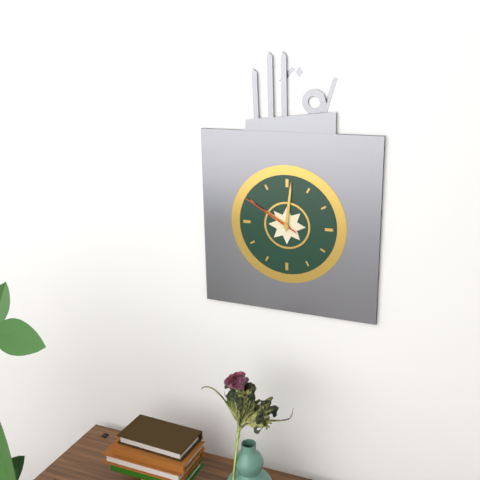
{"hour": 10, "minute": 1, "second": 50}
